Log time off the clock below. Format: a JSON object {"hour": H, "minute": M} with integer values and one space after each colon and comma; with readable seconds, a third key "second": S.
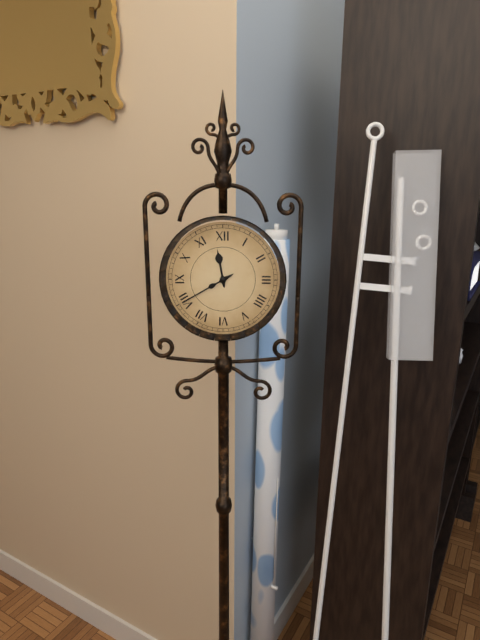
{"hour": 11, "minute": 40}
